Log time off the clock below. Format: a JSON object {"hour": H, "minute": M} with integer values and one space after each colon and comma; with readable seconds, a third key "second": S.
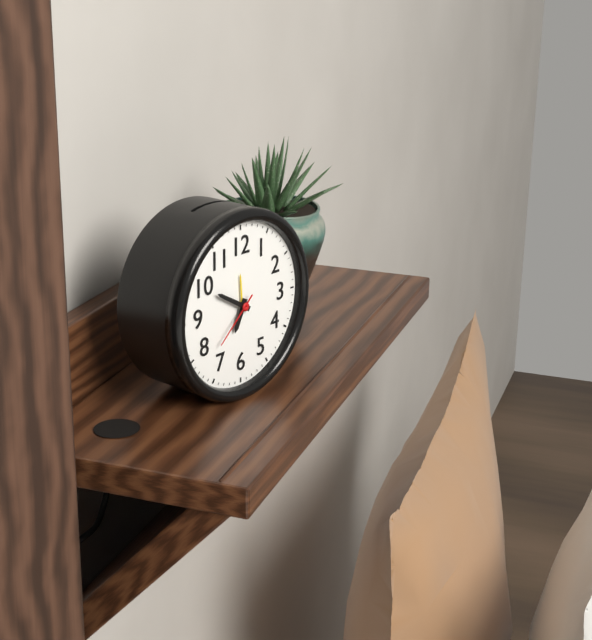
{"hour": 6, "minute": 50, "second": 38}
